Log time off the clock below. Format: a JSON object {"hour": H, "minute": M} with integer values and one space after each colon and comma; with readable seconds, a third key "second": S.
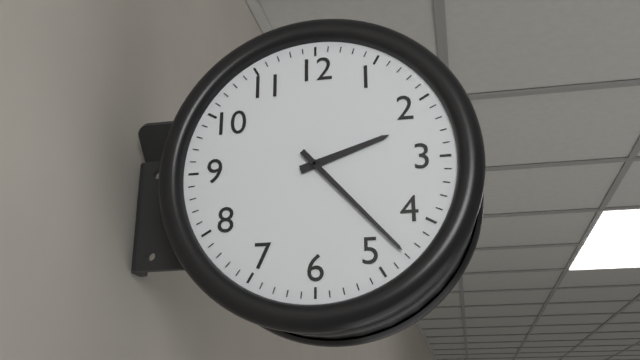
{"hour": 2, "minute": 23}
